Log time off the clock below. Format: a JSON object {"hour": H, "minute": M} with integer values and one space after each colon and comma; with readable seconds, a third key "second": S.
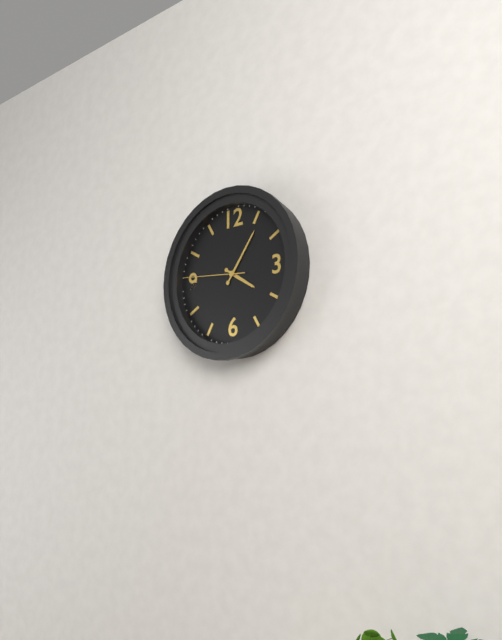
{"hour": 4, "minute": 6, "second": 46}
